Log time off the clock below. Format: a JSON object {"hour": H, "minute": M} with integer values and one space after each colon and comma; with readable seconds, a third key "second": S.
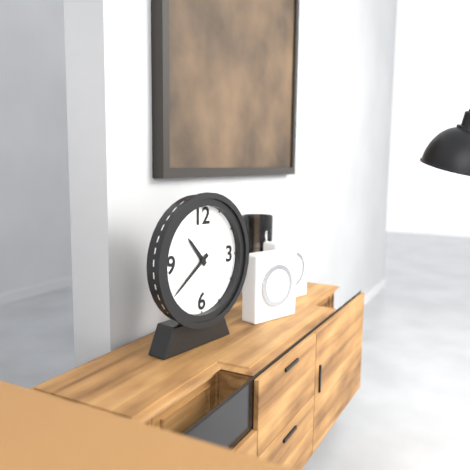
{"hour": 10, "minute": 39}
